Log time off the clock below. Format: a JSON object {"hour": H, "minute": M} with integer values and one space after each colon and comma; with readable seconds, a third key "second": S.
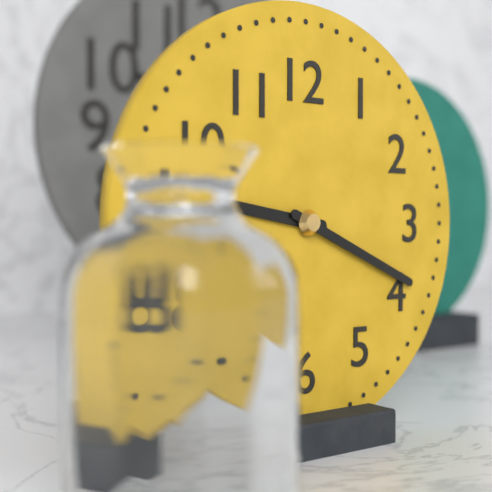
{"hour": 9, "minute": 19}
